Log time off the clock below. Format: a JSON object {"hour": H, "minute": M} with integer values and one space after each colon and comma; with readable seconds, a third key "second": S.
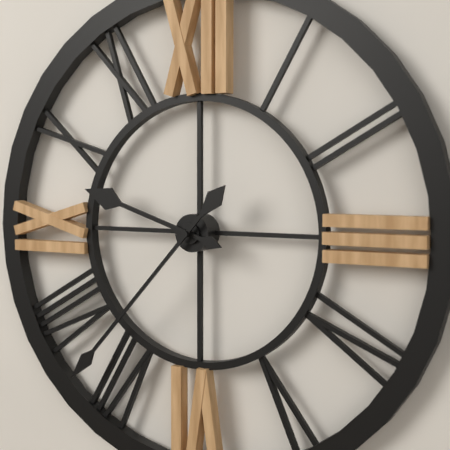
{"hour": 9, "minute": 37}
